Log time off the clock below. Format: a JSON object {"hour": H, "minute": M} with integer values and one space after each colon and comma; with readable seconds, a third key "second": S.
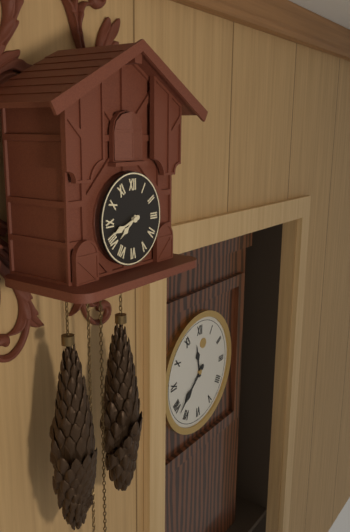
{"hour": 7, "minute": 42}
